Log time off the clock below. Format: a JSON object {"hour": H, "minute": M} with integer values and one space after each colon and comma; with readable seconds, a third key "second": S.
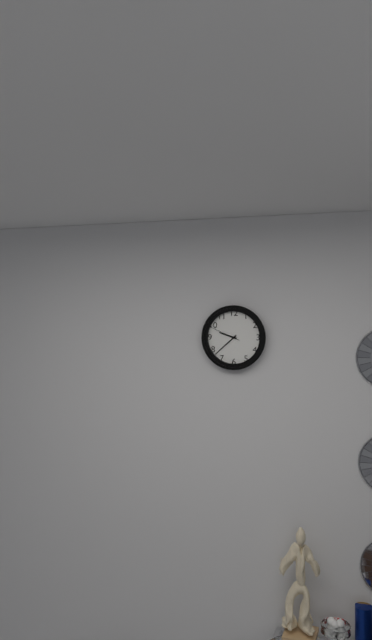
{"hour": 9, "minute": 38}
